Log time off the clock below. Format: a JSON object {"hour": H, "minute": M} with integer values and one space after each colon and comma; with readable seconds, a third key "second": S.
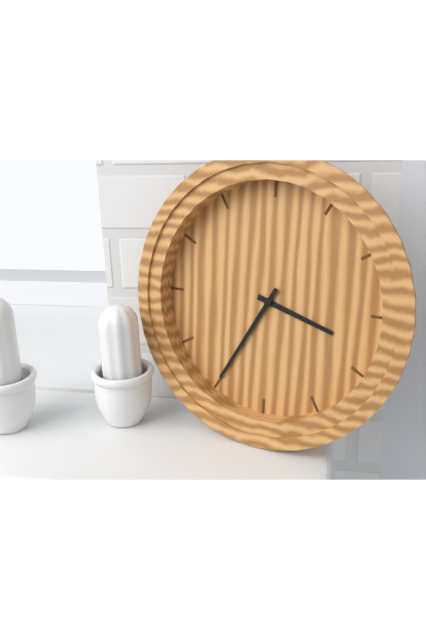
{"hour": 3, "minute": 35}
